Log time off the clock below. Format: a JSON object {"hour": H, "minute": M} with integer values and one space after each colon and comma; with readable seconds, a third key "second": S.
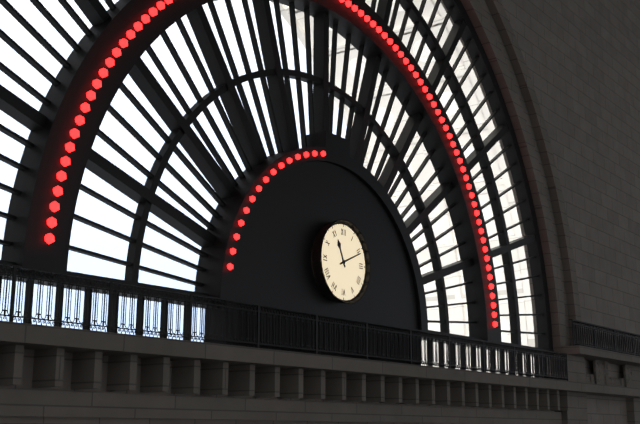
{"hour": 11, "minute": 11}
